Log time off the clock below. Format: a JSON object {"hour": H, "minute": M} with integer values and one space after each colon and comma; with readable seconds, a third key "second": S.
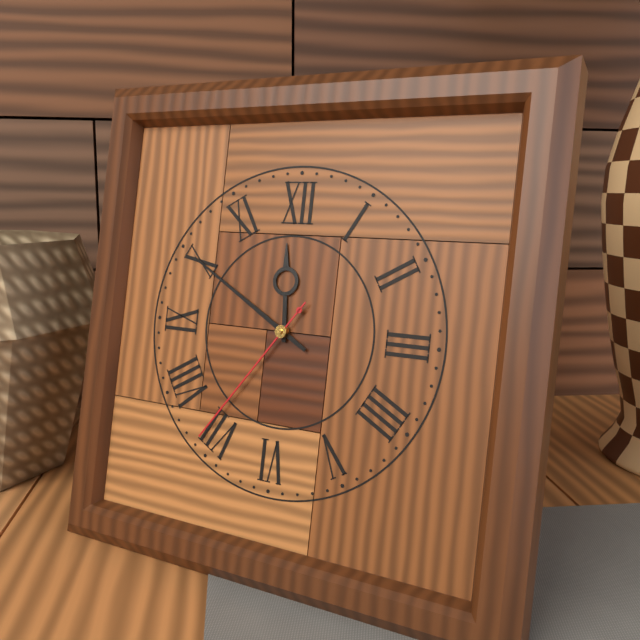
{"hour": 11, "minute": 50, "second": 36}
